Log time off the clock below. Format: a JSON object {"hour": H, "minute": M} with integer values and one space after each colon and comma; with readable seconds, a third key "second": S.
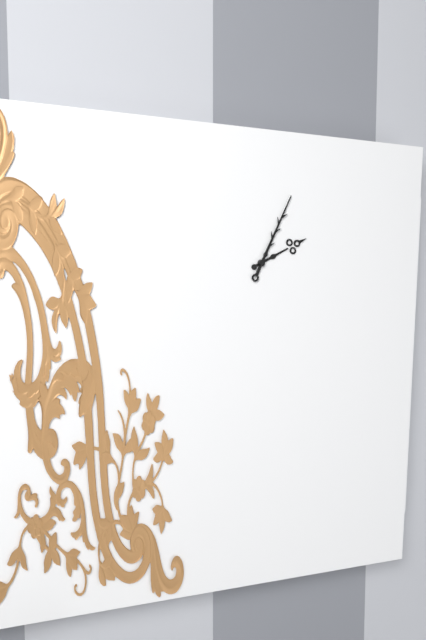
{"hour": 2, "minute": 4}
